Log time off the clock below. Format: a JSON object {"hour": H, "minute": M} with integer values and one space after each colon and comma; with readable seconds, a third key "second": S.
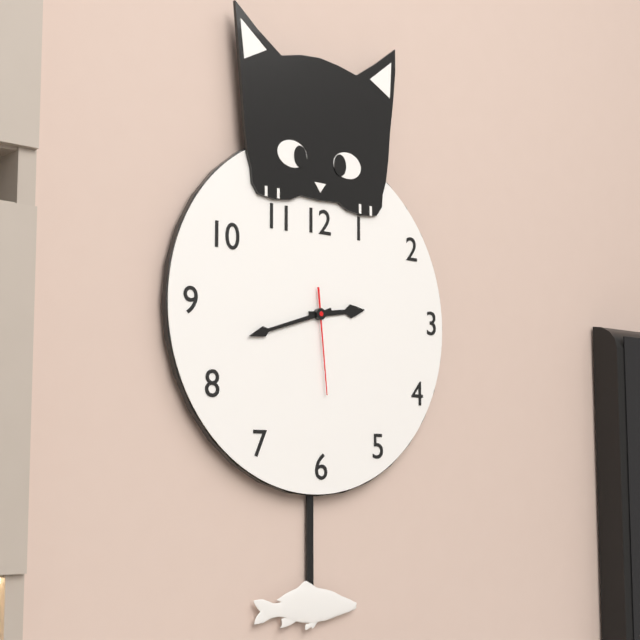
{"hour": 2, "minute": 42, "second": 29}
